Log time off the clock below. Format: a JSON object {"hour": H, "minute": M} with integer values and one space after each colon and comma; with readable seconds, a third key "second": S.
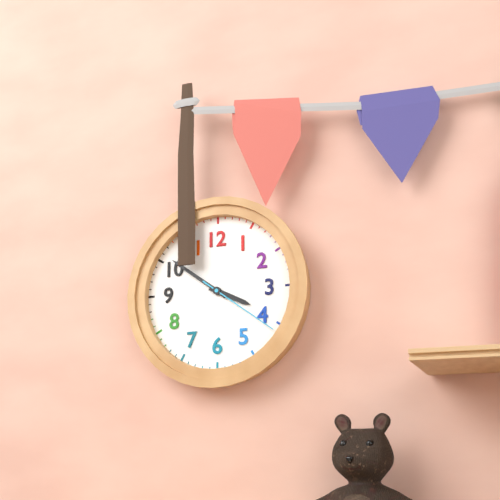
{"hour": 3, "minute": 51, "second": 21}
